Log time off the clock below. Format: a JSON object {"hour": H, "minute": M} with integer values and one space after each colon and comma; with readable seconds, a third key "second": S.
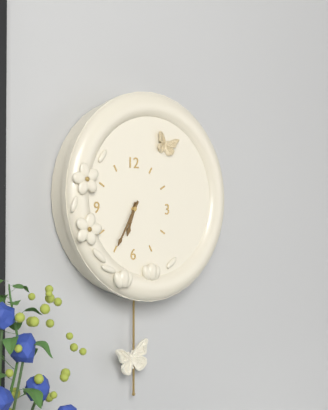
{"hour": 6, "minute": 35}
